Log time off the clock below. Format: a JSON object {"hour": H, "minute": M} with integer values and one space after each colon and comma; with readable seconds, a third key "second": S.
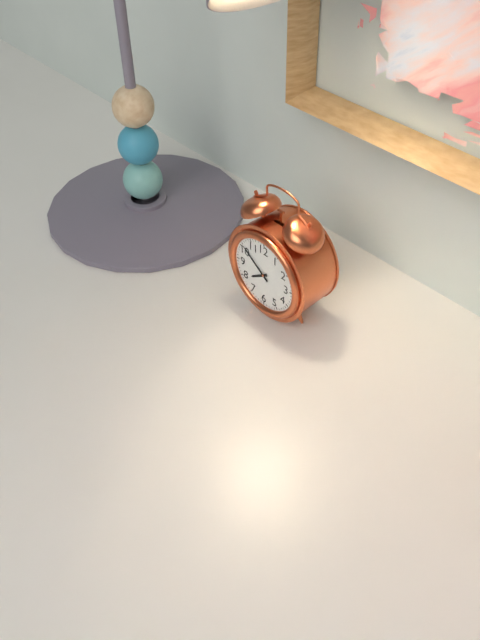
{"hour": 7, "minute": 51}
